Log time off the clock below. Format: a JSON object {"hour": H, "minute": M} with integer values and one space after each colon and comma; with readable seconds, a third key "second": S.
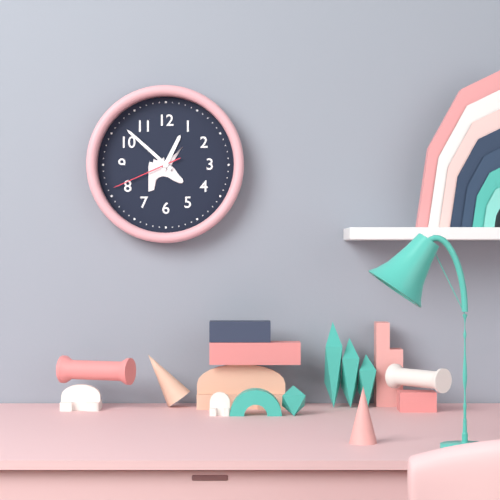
{"hour": 12, "minute": 52, "second": 41}
